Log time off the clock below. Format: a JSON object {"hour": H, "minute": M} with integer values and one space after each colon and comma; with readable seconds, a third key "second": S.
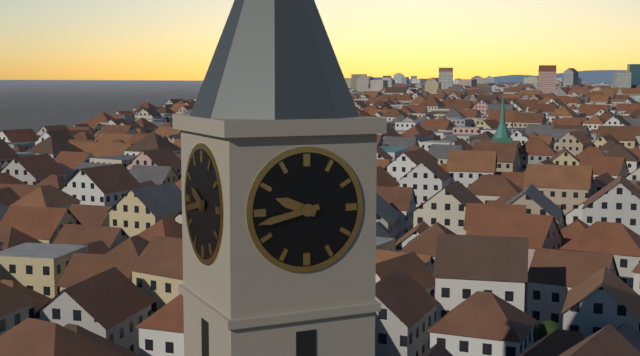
{"hour": 9, "minute": 43}
